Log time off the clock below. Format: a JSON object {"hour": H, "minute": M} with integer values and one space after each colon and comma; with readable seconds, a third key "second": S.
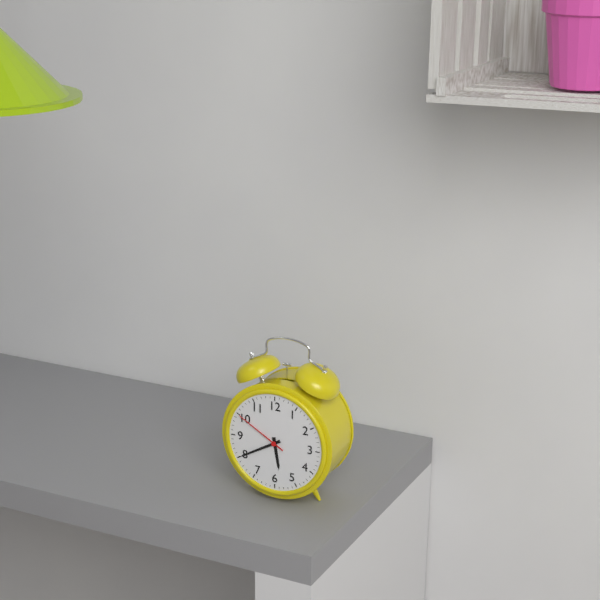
{"hour": 5, "minute": 40, "second": 50}
